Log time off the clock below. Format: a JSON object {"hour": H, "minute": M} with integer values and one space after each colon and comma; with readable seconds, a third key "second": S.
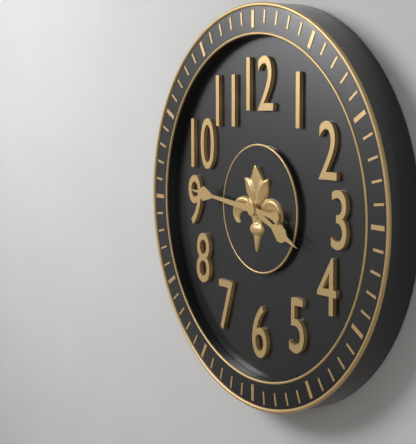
{"hour": 3, "minute": 46}
